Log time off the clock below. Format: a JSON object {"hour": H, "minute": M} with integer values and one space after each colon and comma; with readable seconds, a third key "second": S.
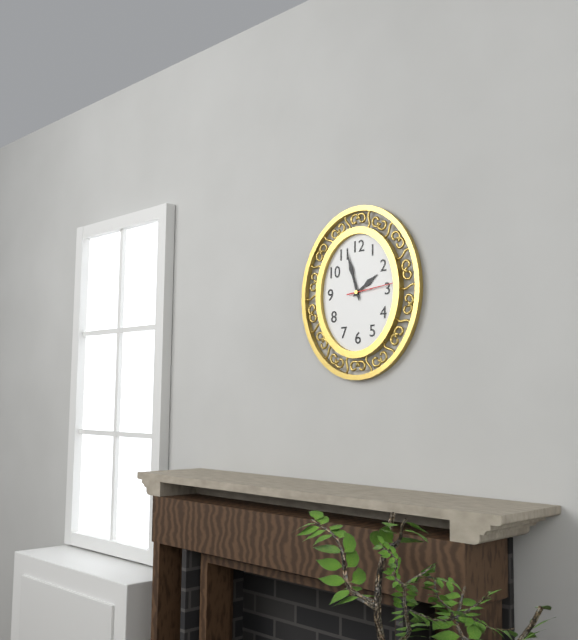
{"hour": 1, "minute": 57}
